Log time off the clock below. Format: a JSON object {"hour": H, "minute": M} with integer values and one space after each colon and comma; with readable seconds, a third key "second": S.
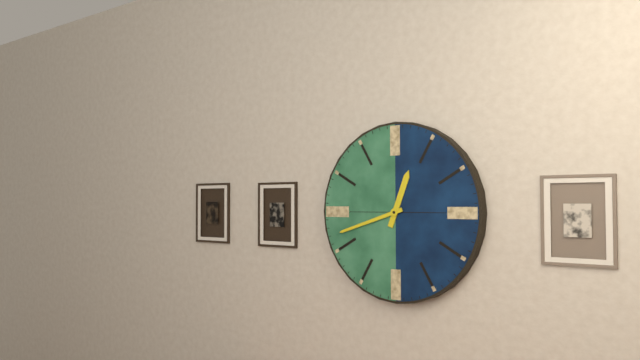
{"hour": 12, "minute": 42}
